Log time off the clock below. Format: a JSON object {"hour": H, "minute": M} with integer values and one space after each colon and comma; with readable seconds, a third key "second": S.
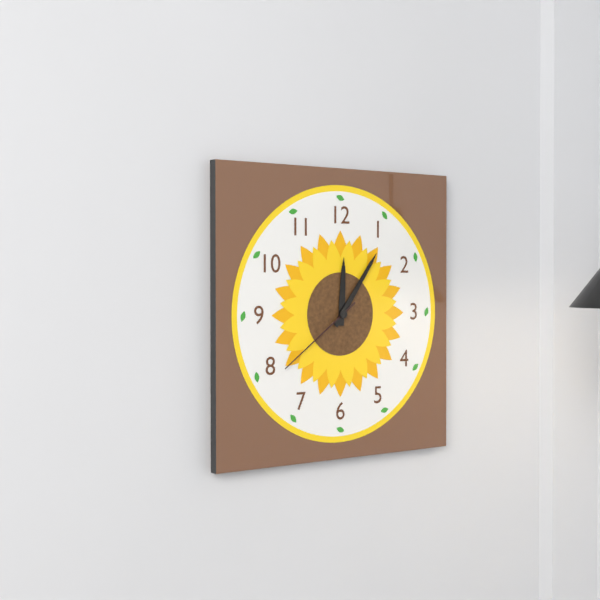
{"hour": 12, "minute": 6, "second": 39}
